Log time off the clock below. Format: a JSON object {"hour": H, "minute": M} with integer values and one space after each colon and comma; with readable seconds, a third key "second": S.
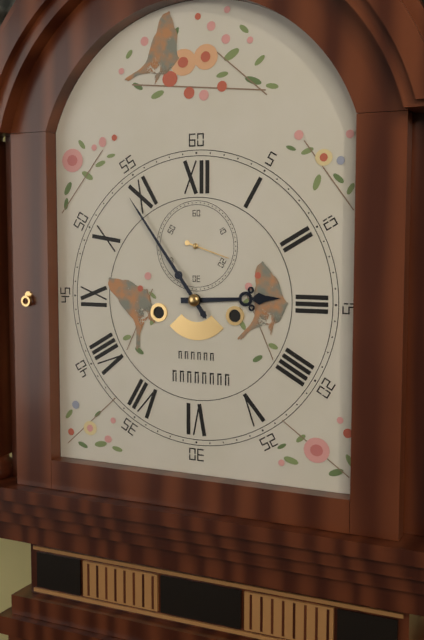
{"hour": 2, "minute": 54}
